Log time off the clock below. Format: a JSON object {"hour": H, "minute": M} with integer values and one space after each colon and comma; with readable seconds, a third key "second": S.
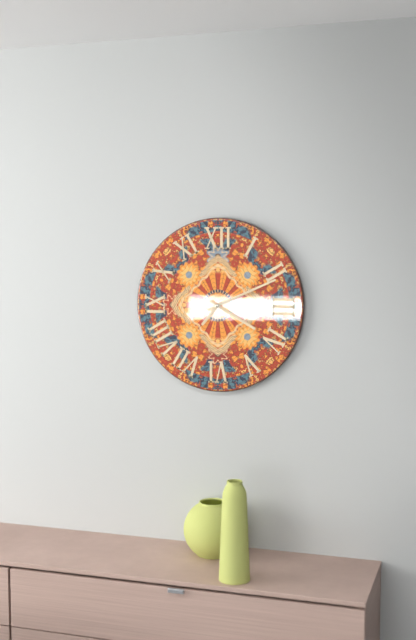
{"hour": 7, "minute": 20, "second": 11}
